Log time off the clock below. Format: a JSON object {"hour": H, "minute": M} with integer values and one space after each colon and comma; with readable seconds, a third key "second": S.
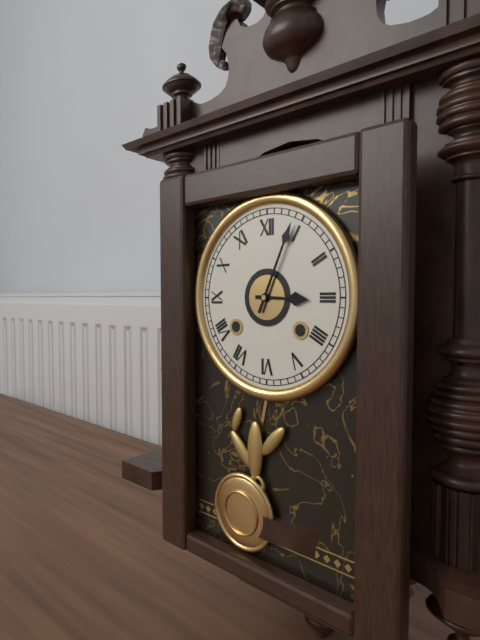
{"hour": 3, "minute": 4}
